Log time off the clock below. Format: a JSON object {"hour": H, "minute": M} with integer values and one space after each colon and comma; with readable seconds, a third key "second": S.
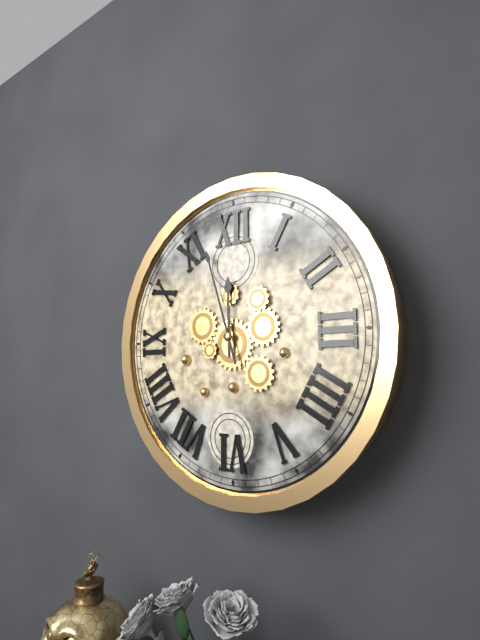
{"hour": 11, "minute": 57}
